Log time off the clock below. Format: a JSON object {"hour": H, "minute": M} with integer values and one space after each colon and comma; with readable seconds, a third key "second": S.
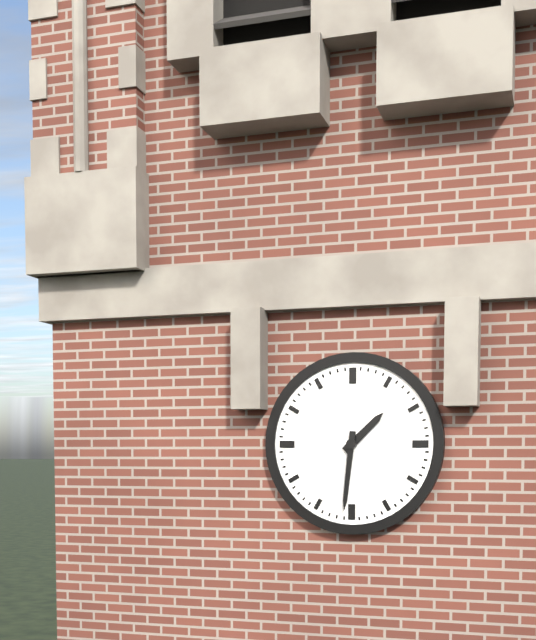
{"hour": 1, "minute": 31}
